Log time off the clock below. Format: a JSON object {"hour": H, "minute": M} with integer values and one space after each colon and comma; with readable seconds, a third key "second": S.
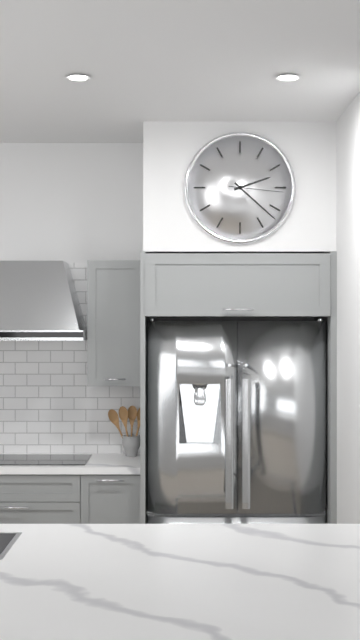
{"hour": 2, "minute": 22, "second": 16}
